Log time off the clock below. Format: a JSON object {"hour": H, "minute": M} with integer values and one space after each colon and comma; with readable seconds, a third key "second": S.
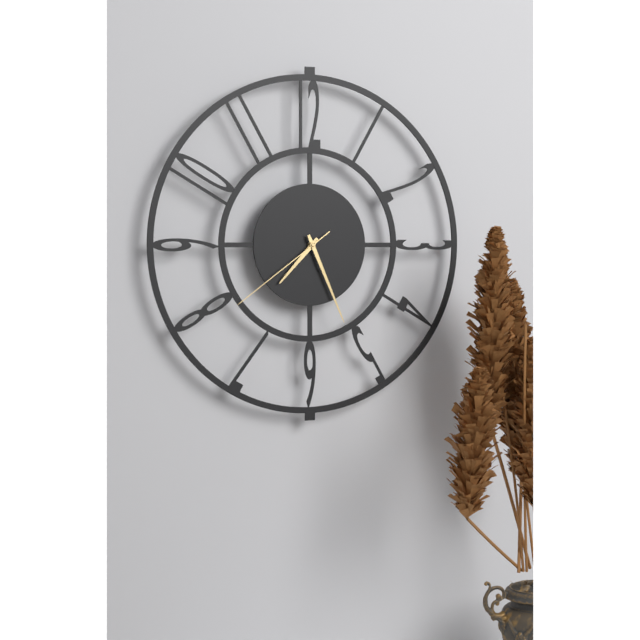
{"hour": 7, "minute": 26, "second": 39}
